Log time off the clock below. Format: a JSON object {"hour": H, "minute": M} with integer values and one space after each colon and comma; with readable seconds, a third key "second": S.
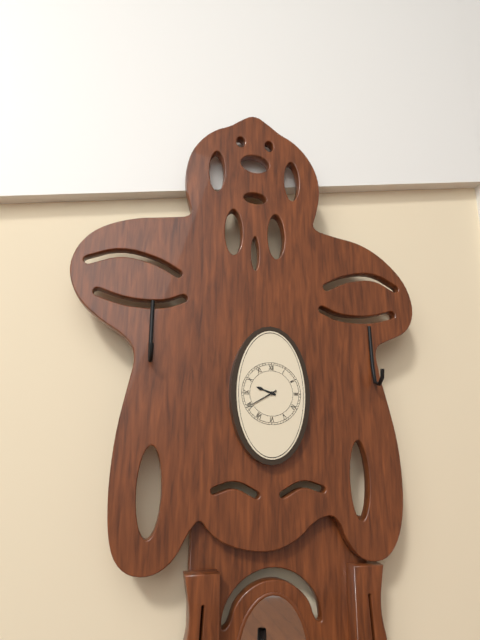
{"hour": 9, "minute": 40}
